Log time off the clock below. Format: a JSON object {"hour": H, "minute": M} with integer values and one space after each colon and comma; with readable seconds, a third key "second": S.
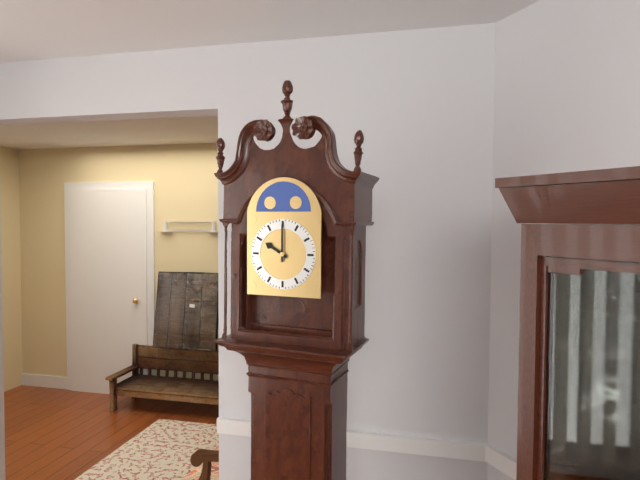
{"hour": 10, "minute": 0}
